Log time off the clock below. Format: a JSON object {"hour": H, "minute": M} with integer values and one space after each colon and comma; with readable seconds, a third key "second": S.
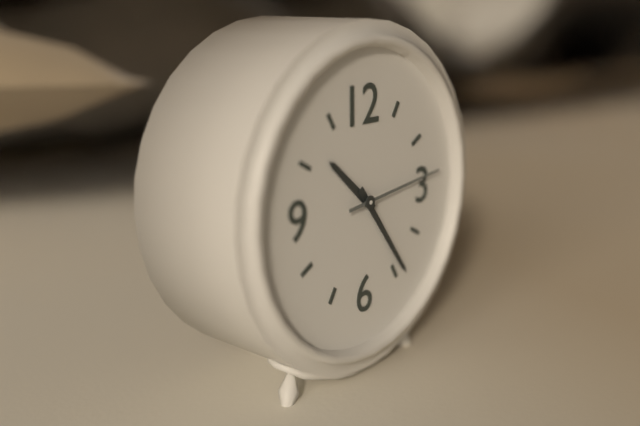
{"hour": 10, "minute": 24, "second": 14}
